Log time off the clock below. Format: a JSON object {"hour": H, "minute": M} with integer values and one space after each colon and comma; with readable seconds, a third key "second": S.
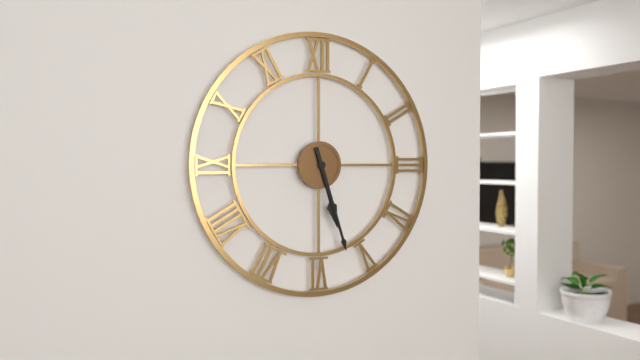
{"hour": 5, "minute": 27}
